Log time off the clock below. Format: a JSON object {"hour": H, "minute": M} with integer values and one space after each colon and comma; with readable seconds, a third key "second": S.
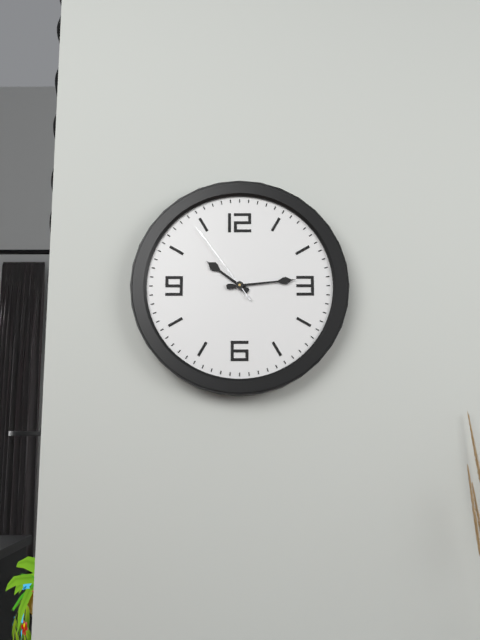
{"hour": 10, "minute": 14, "second": 54}
